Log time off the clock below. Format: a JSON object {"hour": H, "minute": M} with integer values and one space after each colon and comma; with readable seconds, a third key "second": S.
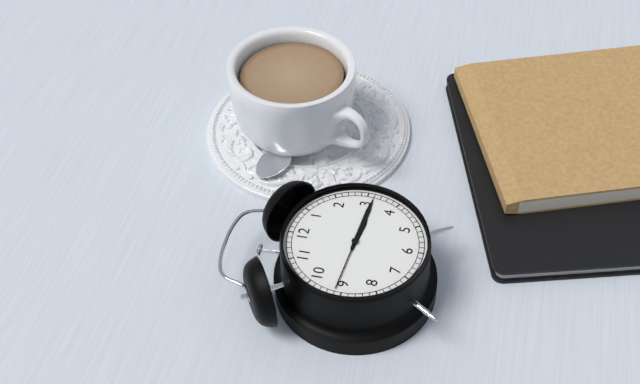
{"hour": 3, "minute": 16, "second": 46}
